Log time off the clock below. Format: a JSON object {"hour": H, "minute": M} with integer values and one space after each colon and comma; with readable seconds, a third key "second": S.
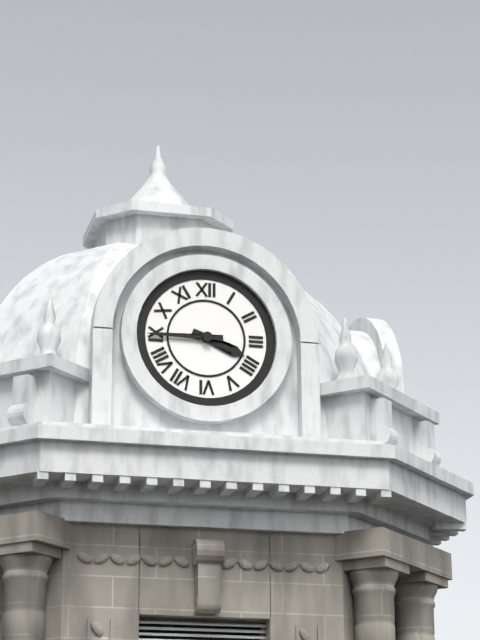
{"hour": 3, "minute": 45}
